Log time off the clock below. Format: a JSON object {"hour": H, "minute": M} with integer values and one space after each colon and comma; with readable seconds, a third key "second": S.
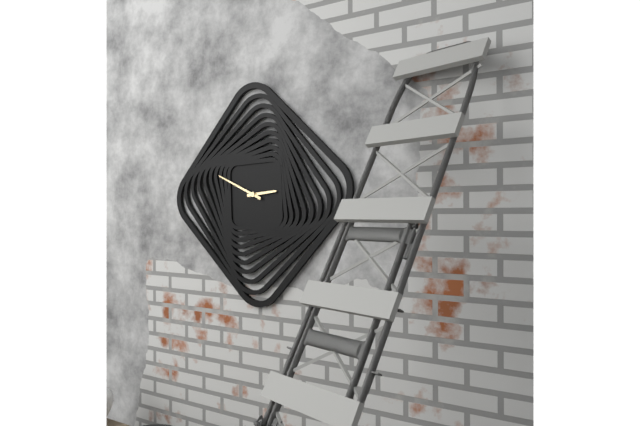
{"hour": 2, "minute": 49}
